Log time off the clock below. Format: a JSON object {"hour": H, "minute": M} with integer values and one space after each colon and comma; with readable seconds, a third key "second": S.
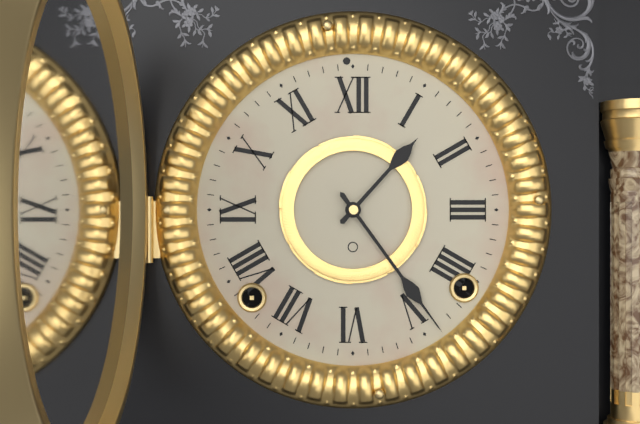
{"hour": 1, "minute": 24}
